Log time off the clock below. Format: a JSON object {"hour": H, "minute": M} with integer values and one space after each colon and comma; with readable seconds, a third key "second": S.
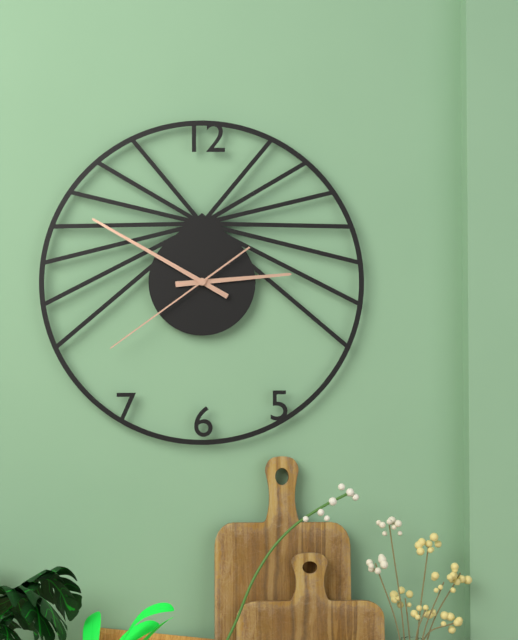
{"hour": 2, "minute": 50, "second": 39}
